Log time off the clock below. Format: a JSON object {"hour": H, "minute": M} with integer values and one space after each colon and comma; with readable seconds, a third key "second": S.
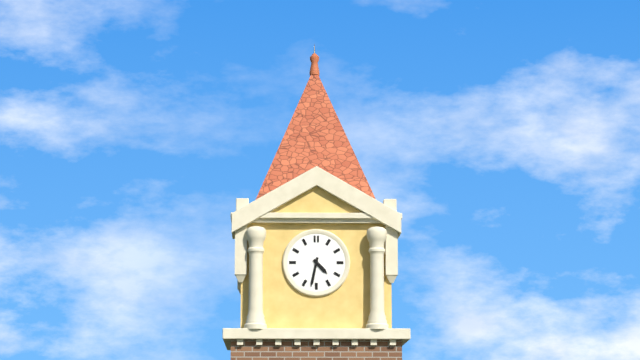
{"hour": 4, "minute": 32}
